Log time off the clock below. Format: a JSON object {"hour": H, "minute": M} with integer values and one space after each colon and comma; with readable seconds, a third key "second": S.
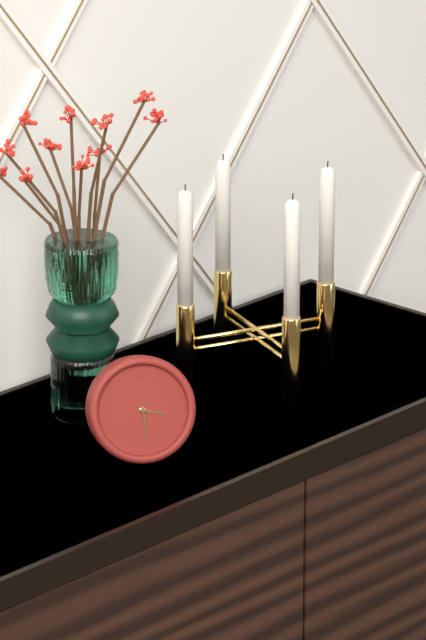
{"hour": 3, "minute": 29}
